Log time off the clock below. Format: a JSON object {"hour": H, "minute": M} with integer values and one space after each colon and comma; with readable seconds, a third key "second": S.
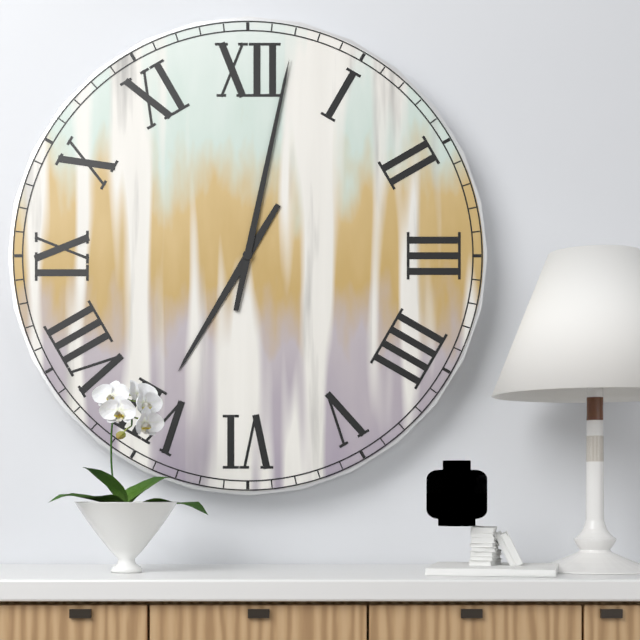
{"hour": 7, "minute": 2}
